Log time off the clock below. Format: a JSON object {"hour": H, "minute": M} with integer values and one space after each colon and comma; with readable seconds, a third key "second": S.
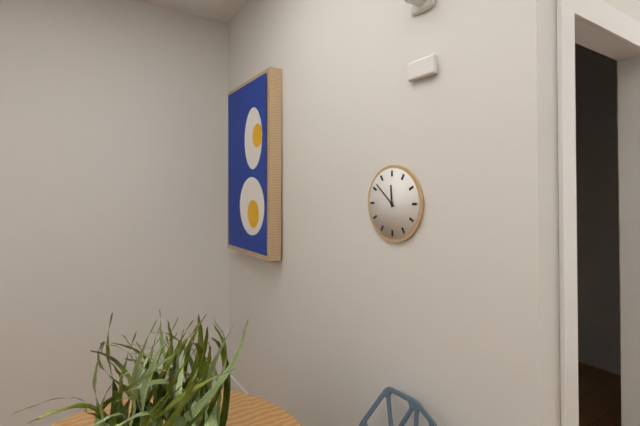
{"hour": 11, "minute": 52}
